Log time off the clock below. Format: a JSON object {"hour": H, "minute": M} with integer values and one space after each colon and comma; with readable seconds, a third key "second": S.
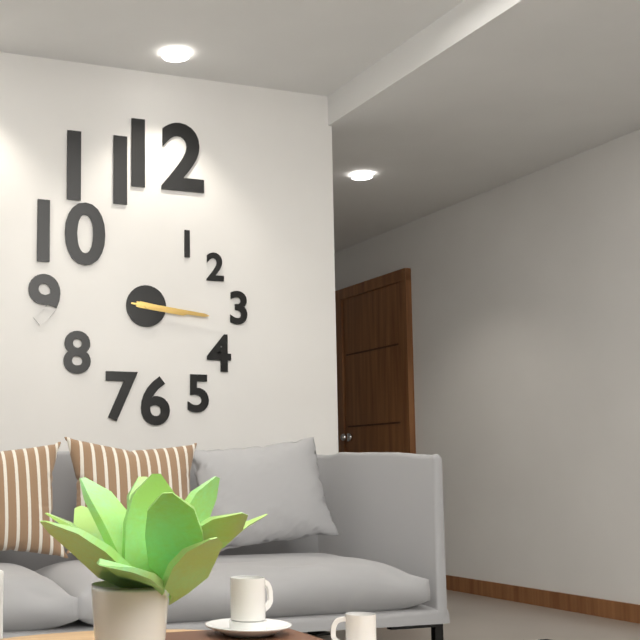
{"hour": 3, "minute": 16, "second": 16}
